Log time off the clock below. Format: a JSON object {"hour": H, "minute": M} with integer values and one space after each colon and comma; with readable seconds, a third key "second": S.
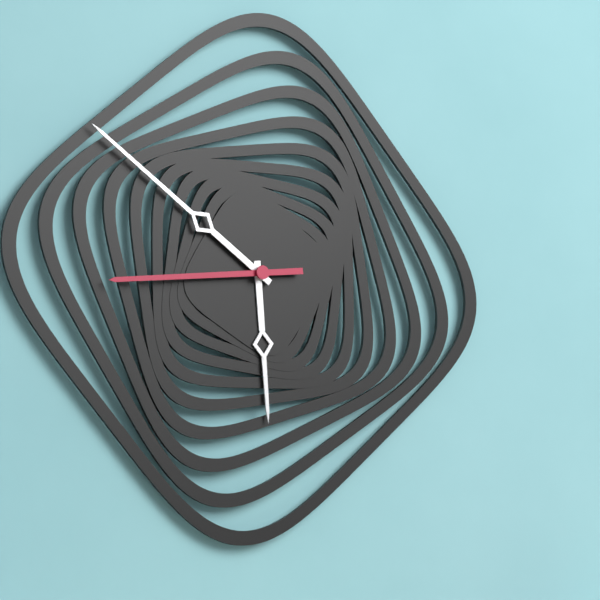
{"hour": 5, "minute": 51, "second": 44}
